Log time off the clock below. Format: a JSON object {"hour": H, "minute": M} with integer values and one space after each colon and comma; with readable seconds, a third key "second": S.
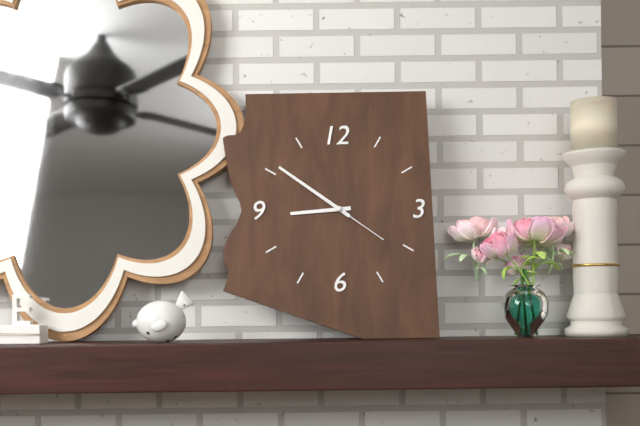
{"hour": 8, "minute": 51, "second": 21}
